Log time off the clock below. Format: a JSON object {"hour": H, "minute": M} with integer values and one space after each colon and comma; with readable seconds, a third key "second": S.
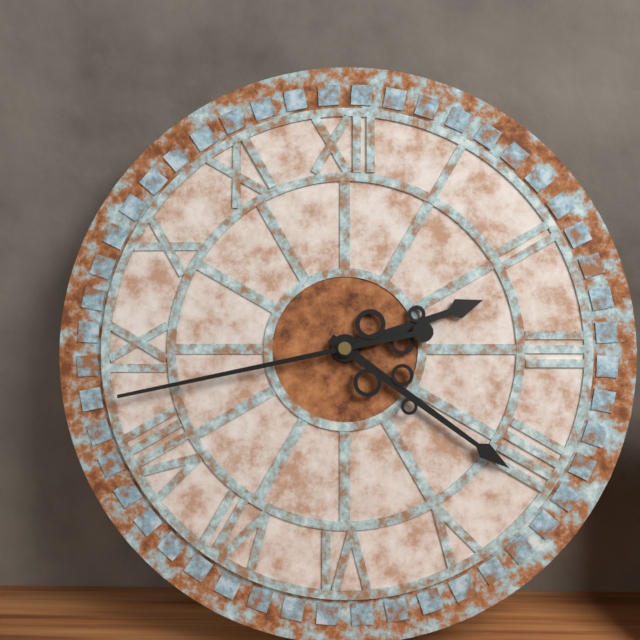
{"hour": 2, "minute": 21, "second": 43}
